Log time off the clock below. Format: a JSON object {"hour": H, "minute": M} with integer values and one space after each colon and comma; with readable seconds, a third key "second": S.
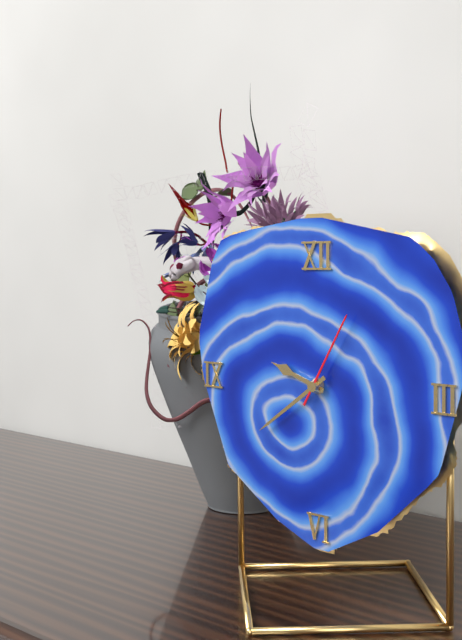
{"hour": 9, "minute": 39, "second": 5}
